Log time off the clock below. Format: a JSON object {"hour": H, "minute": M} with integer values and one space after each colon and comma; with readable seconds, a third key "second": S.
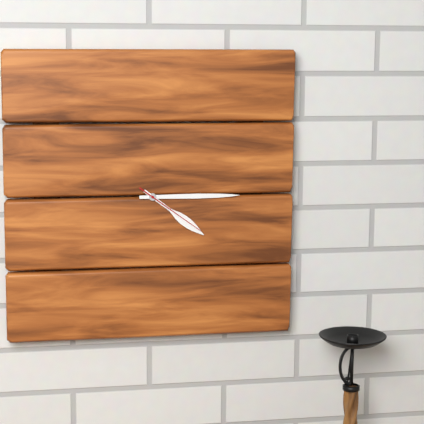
{"hour": 4, "minute": 15, "second": 21}
